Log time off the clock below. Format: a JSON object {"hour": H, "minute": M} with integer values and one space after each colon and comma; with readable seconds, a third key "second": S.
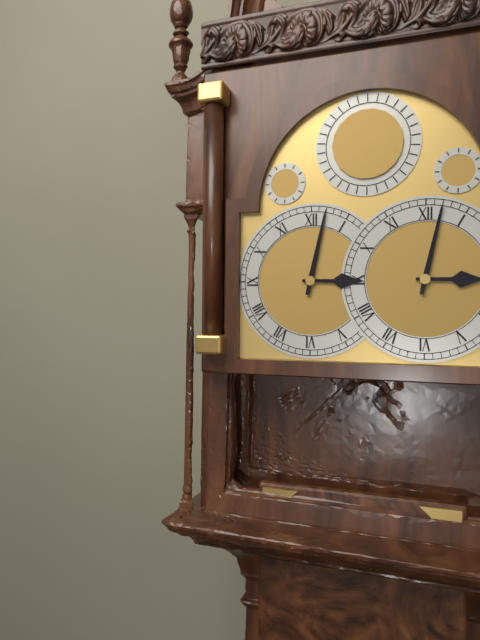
{"hour": 3, "minute": 2}
